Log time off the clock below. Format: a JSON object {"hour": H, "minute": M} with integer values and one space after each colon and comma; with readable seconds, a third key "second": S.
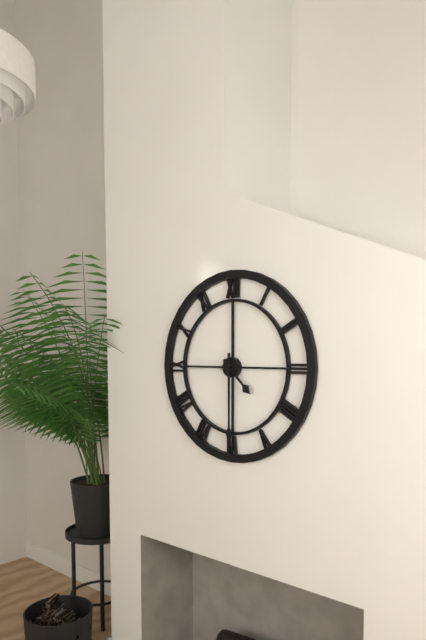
{"hour": 4, "minute": 30}
